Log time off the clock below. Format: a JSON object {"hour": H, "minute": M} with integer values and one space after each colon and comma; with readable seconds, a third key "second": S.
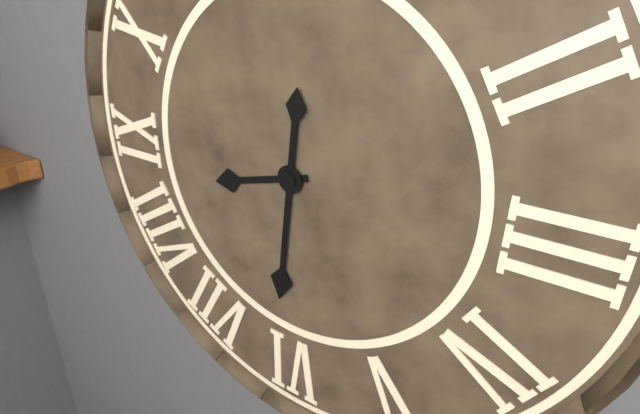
{"hour": 8, "minute": 31}
